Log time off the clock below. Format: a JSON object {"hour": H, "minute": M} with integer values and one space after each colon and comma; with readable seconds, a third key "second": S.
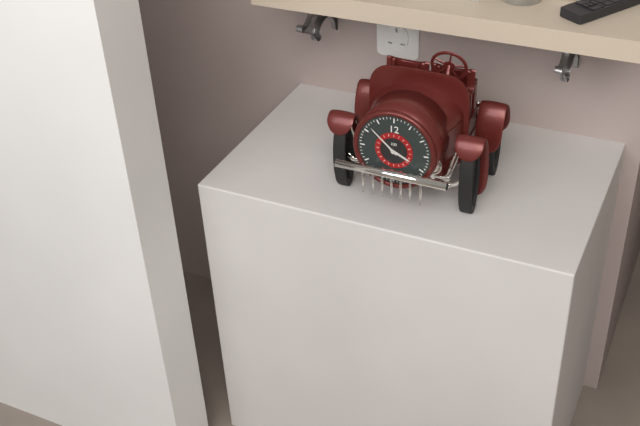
{"hour": 3, "minute": 52}
